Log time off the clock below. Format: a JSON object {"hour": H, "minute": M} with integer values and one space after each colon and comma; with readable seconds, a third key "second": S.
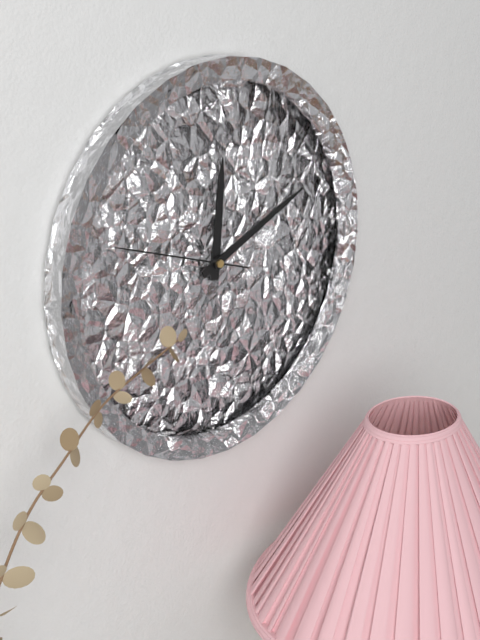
{"hour": 12, "minute": 11, "second": 48}
